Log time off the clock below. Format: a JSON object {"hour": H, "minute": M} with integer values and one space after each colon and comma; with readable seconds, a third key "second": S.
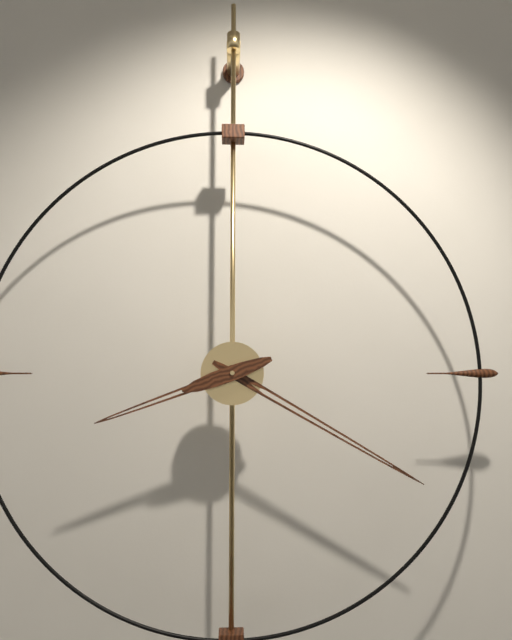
{"hour": 8, "minute": 20}
